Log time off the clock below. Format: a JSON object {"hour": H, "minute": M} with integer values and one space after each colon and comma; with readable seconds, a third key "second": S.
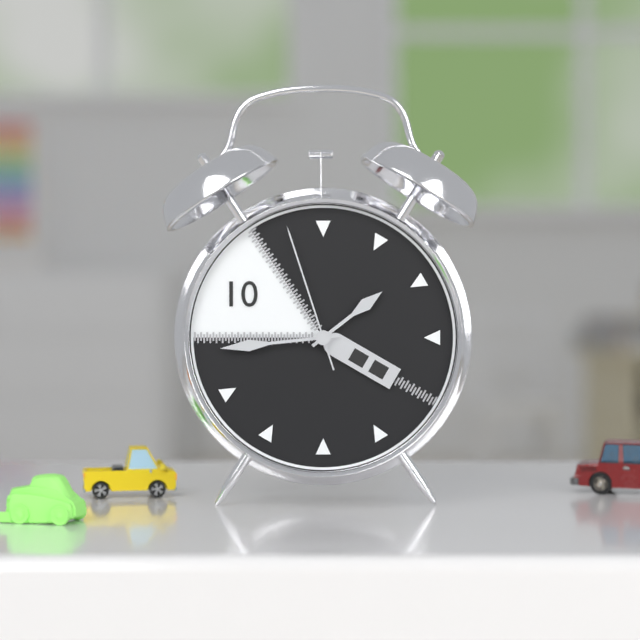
{"hour": 1, "minute": 44, "second": 57}
